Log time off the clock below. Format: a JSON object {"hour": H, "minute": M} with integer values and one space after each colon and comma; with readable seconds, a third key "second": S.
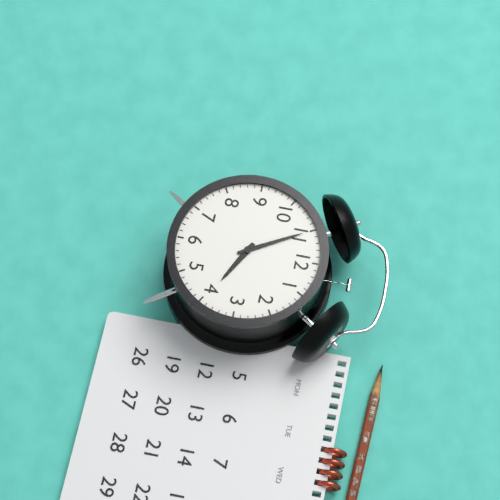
{"hour": 3, "minute": 55}
